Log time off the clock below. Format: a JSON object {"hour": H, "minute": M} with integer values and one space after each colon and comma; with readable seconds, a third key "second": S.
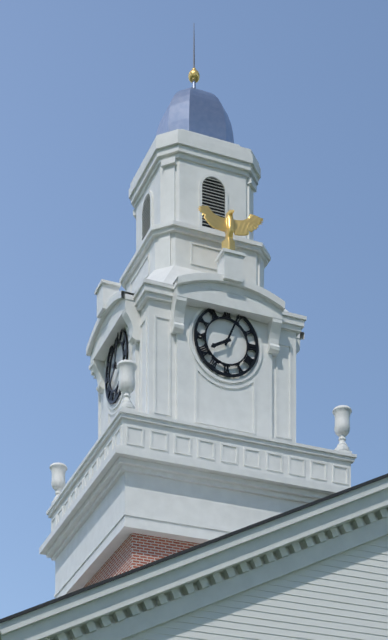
{"hour": 8, "minute": 4}
